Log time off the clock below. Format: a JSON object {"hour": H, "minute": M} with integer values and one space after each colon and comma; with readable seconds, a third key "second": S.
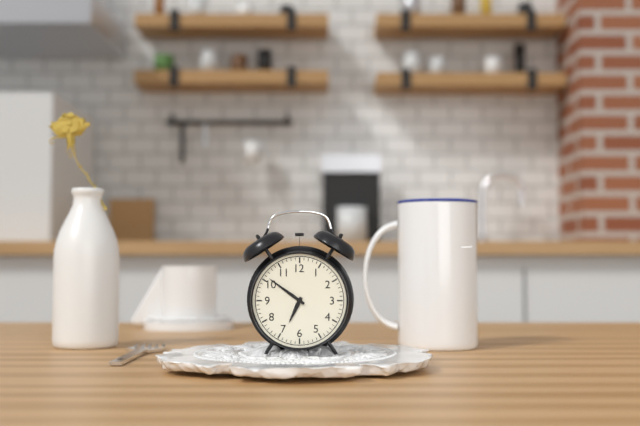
{"hour": 6, "minute": 51}
